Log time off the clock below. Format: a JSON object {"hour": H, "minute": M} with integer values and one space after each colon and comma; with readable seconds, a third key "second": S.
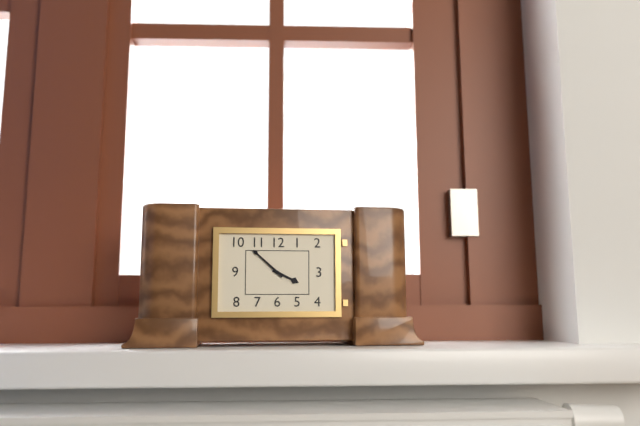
{"hour": 3, "minute": 52}
